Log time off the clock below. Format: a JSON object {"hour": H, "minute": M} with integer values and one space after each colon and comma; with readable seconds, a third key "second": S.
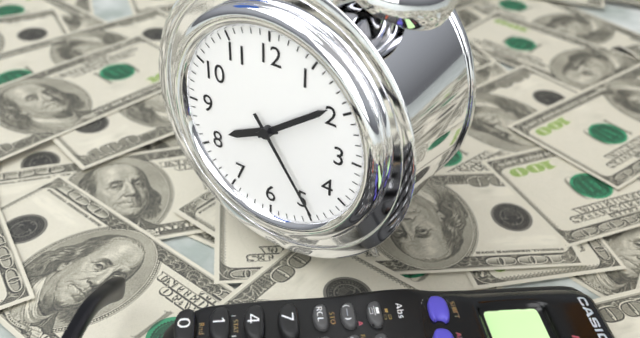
{"hour": 8, "minute": 9, "second": 24}
